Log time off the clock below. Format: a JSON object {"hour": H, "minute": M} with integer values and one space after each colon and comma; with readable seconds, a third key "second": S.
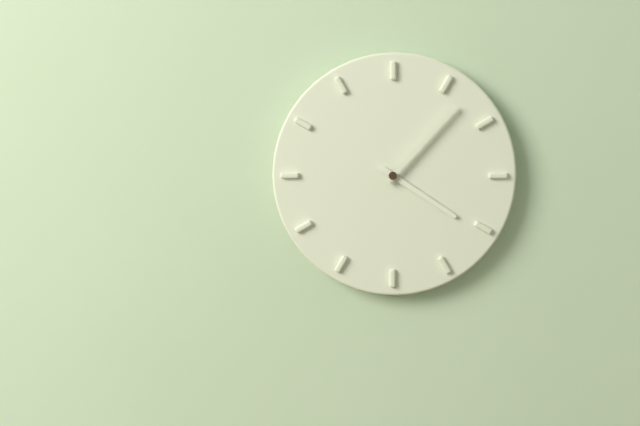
{"hour": 4, "minute": 7}
